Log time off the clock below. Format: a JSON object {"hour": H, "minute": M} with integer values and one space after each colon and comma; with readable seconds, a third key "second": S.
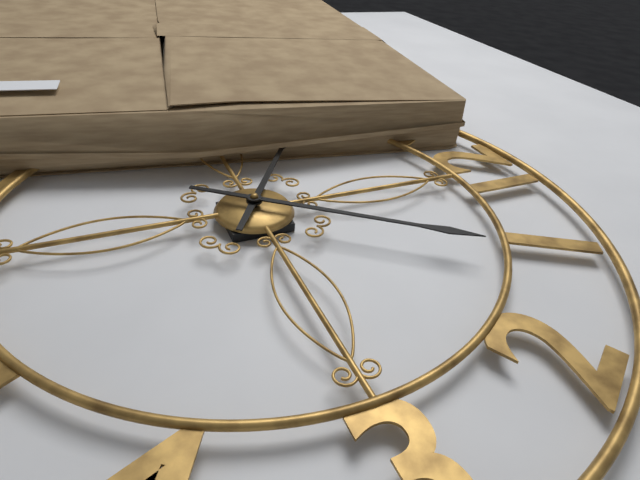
{"hour": 10, "minute": 6}
